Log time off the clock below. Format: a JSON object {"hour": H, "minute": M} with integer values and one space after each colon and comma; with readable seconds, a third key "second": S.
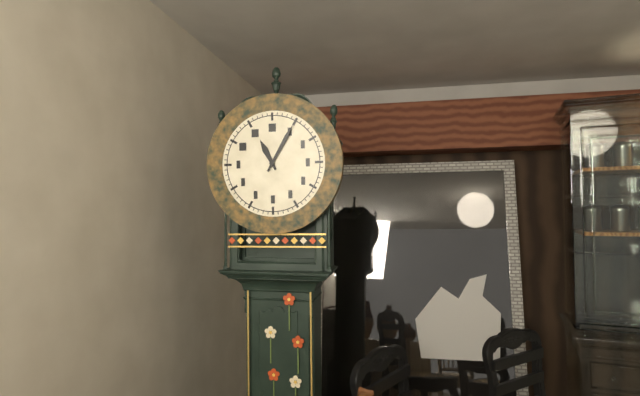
{"hour": 11, "minute": 5}
